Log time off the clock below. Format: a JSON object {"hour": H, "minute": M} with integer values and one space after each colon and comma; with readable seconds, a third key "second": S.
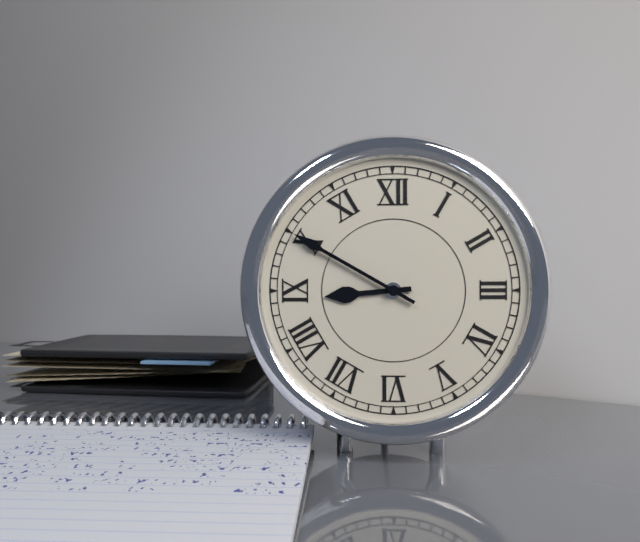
{"hour": 8, "minute": 50}
